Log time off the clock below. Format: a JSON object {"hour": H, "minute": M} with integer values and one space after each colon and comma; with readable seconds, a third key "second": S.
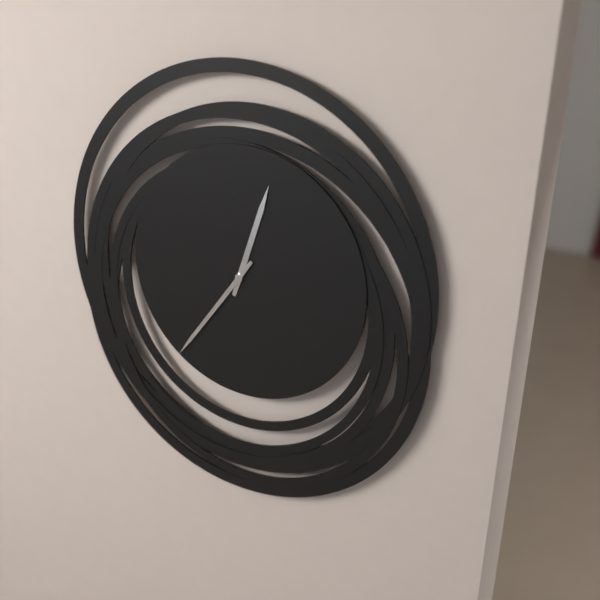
{"hour": 12, "minute": 36}
